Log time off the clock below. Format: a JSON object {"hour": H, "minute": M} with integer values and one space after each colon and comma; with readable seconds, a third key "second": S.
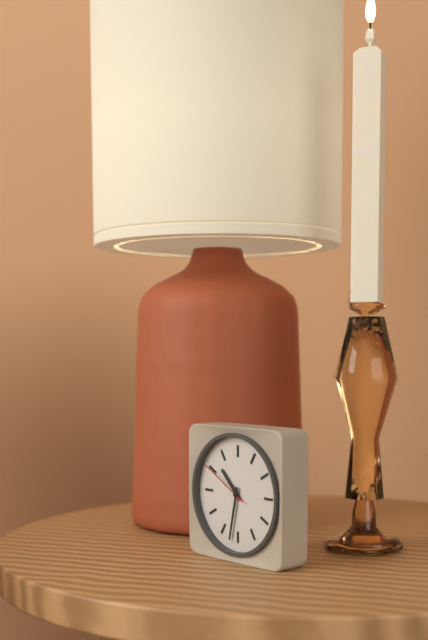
{"hour": 10, "minute": 32, "second": 50}
